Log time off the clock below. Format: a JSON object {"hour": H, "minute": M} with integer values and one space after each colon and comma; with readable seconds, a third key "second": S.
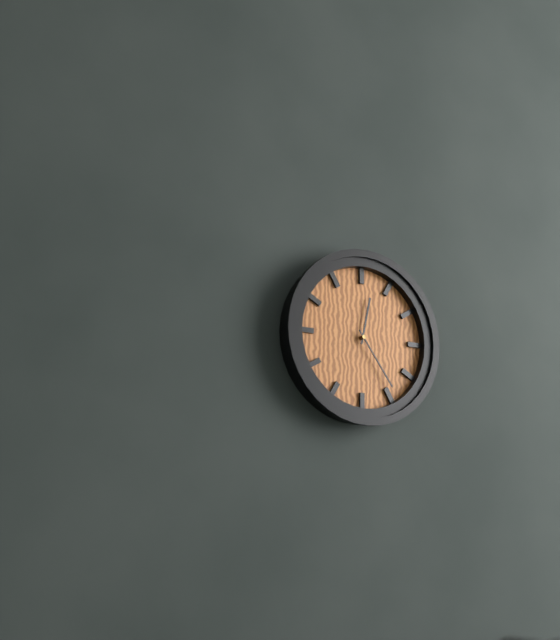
{"hour": 12, "minute": 24}
